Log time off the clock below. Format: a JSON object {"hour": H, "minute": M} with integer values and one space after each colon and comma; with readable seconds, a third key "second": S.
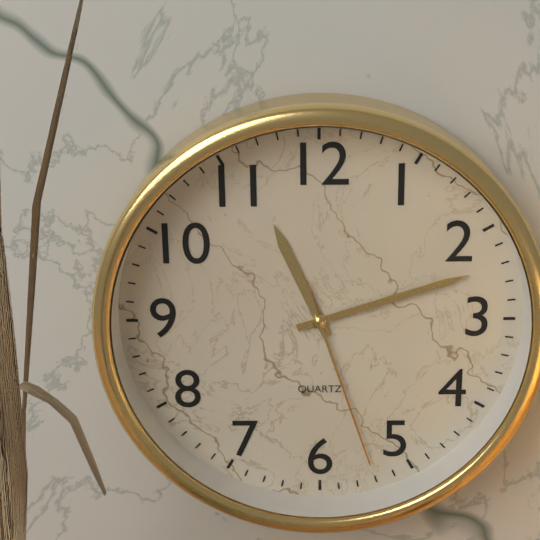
{"hour": 11, "minute": 12, "second": 27}
